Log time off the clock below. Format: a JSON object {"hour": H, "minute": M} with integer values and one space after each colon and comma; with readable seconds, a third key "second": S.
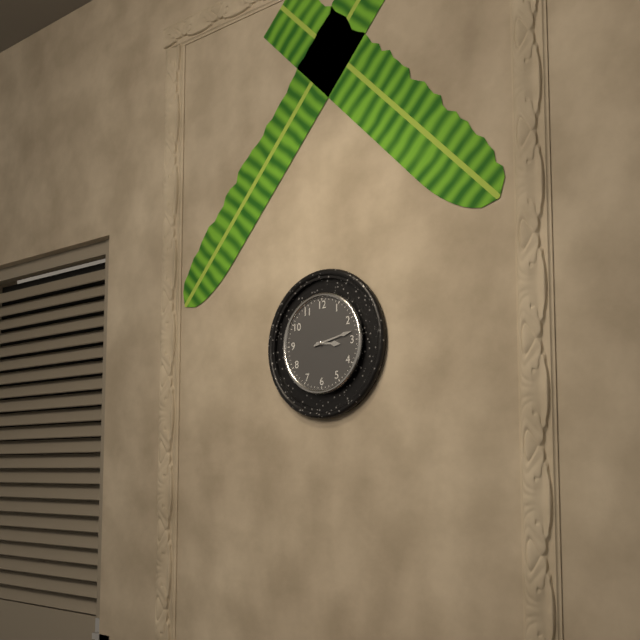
{"hour": 3, "minute": 13}
